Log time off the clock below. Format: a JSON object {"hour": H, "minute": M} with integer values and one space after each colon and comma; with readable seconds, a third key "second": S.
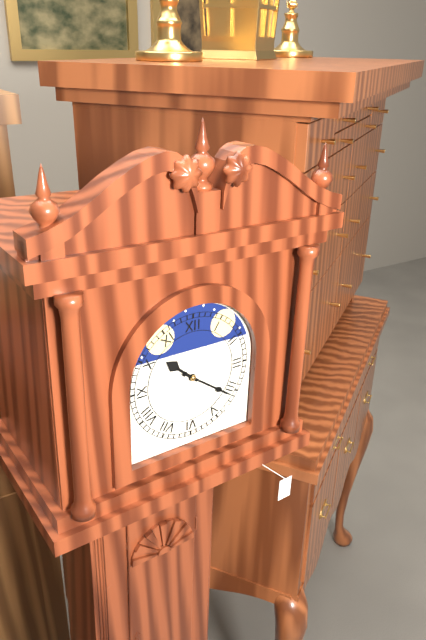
{"hour": 10, "minute": 21}
